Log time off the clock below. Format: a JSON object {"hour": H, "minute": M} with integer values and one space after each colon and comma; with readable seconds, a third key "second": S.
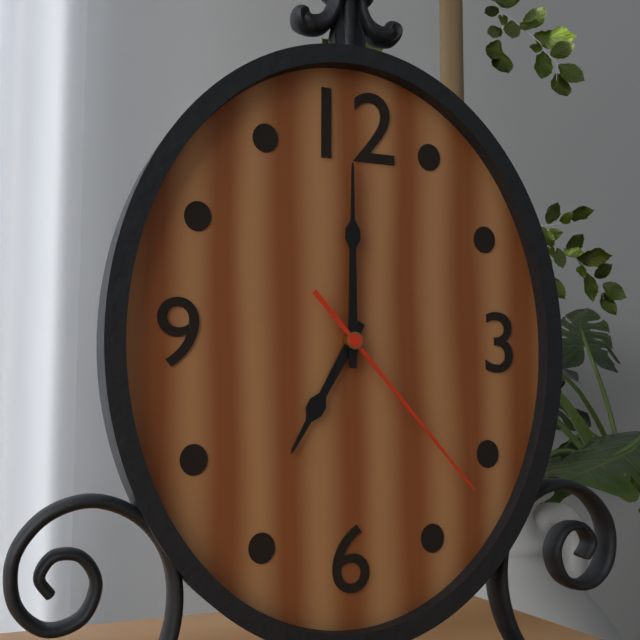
{"hour": 7, "minute": 0, "second": 23}
